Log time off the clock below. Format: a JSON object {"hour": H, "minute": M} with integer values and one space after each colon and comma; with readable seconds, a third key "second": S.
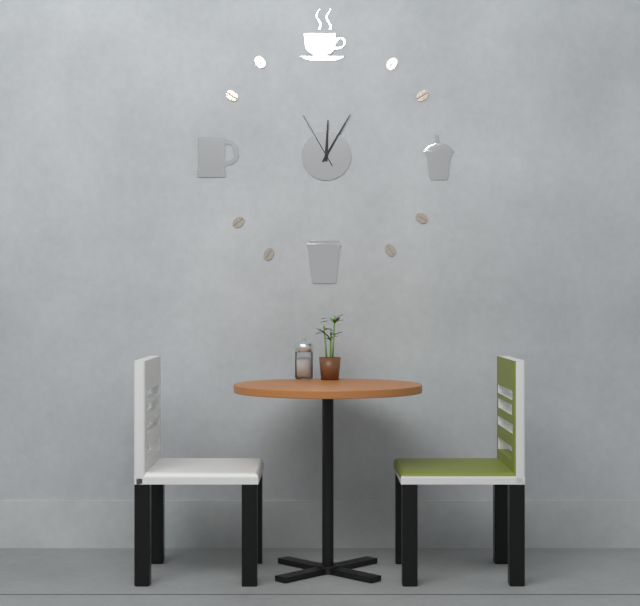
{"hour": 12, "minute": 5, "second": 55}
